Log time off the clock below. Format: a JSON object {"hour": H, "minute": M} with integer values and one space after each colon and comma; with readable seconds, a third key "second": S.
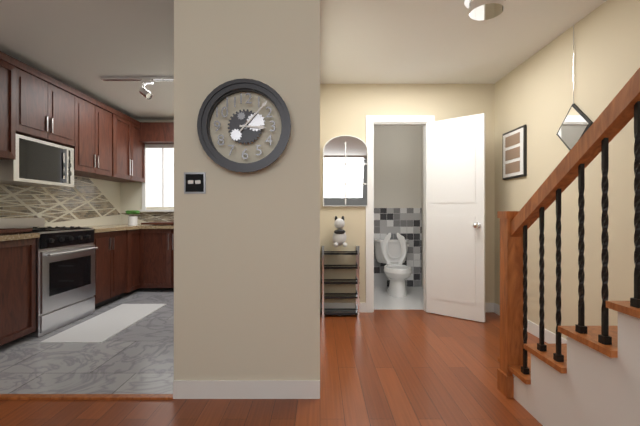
{"hour": 3, "minute": 7}
